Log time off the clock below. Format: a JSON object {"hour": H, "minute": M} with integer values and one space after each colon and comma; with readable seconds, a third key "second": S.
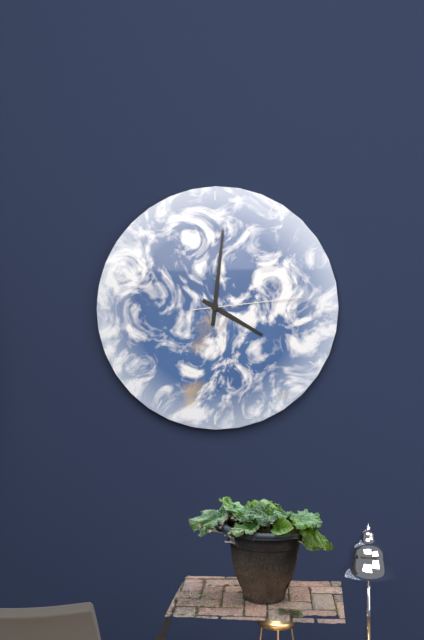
{"hour": 4, "minute": 1, "second": 14}
